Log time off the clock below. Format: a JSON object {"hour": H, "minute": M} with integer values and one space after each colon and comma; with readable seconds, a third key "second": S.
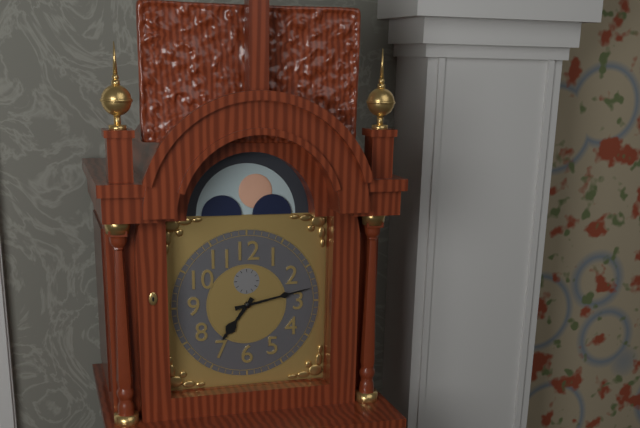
{"hour": 7, "minute": 13}
